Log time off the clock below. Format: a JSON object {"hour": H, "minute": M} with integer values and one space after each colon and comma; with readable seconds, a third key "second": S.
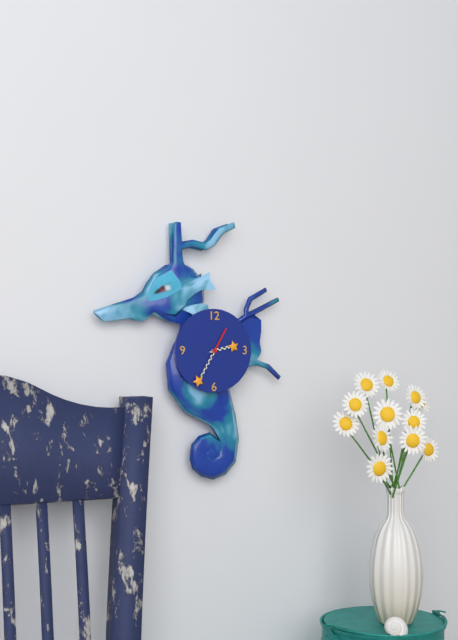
{"hour": 2, "minute": 35}
